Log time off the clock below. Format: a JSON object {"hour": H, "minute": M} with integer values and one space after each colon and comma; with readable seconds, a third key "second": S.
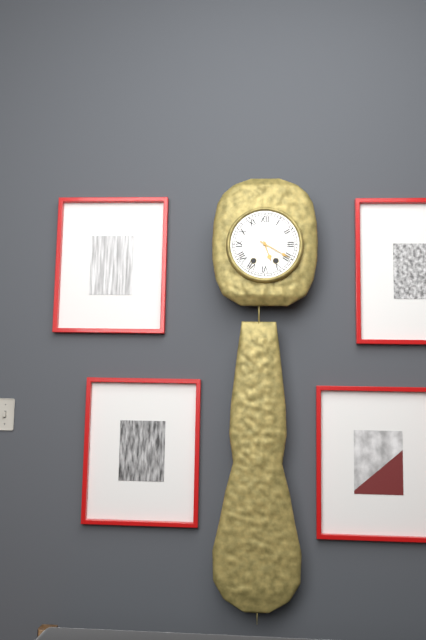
{"hour": 5, "minute": 20}
